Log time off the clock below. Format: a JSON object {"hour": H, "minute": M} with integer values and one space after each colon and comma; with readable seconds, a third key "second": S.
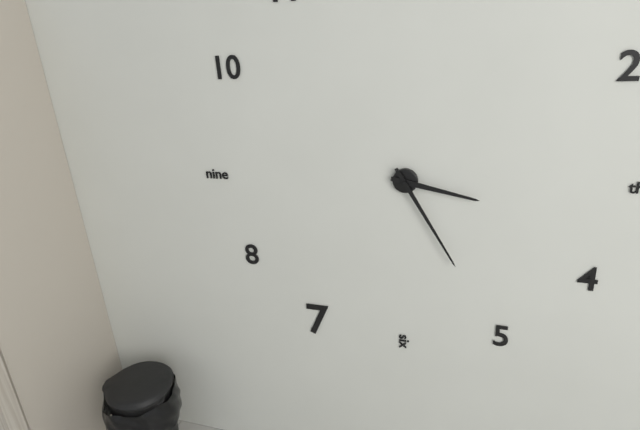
{"hour": 3, "minute": 25}
